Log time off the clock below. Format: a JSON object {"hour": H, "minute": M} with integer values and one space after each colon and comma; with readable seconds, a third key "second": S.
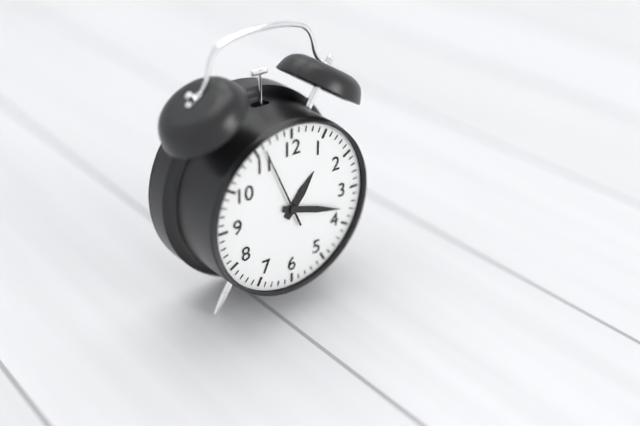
{"hour": 1, "minute": 18, "second": 56}
